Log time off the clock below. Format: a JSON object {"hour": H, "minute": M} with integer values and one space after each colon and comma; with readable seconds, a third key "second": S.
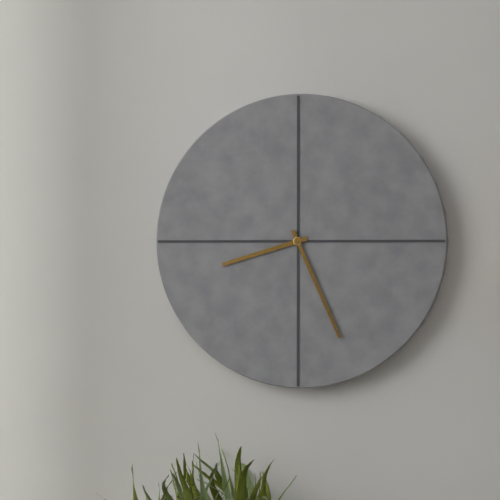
{"hour": 8, "minute": 26}
